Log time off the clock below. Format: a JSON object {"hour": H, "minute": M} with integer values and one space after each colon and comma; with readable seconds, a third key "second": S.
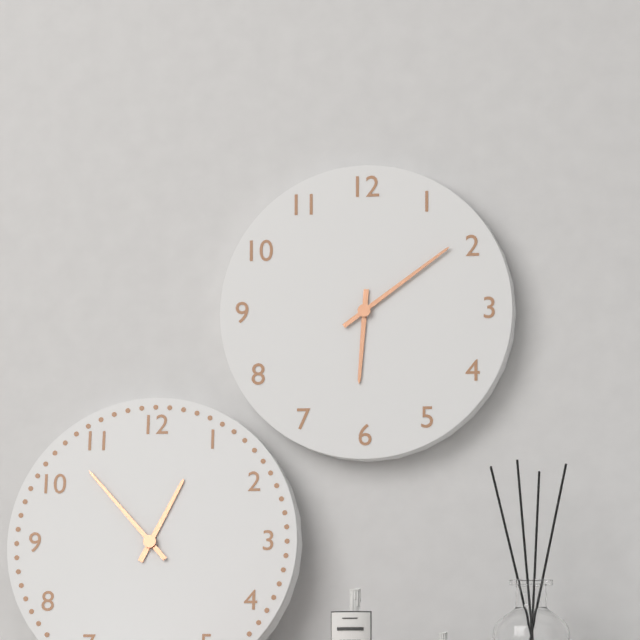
{"hour": 6, "minute": 9}
